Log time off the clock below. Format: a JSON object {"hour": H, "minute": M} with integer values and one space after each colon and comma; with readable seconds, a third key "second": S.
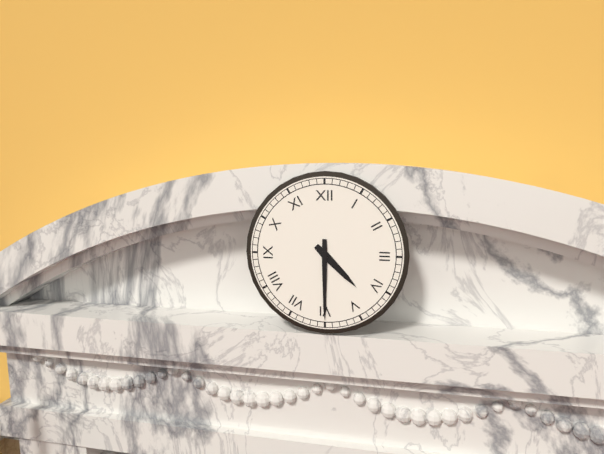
{"hour": 4, "minute": 30}
